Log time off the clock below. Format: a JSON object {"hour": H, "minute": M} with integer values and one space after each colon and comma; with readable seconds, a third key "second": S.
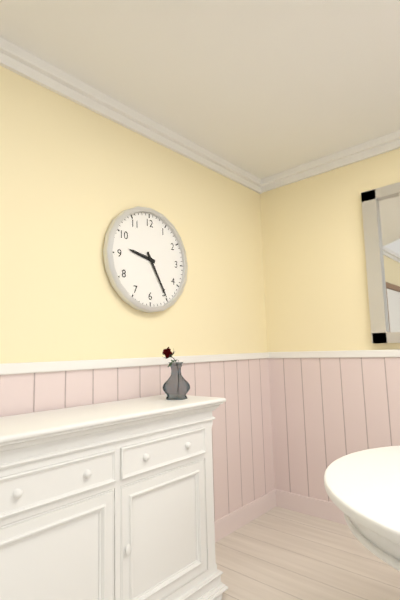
{"hour": 9, "minute": 25}
